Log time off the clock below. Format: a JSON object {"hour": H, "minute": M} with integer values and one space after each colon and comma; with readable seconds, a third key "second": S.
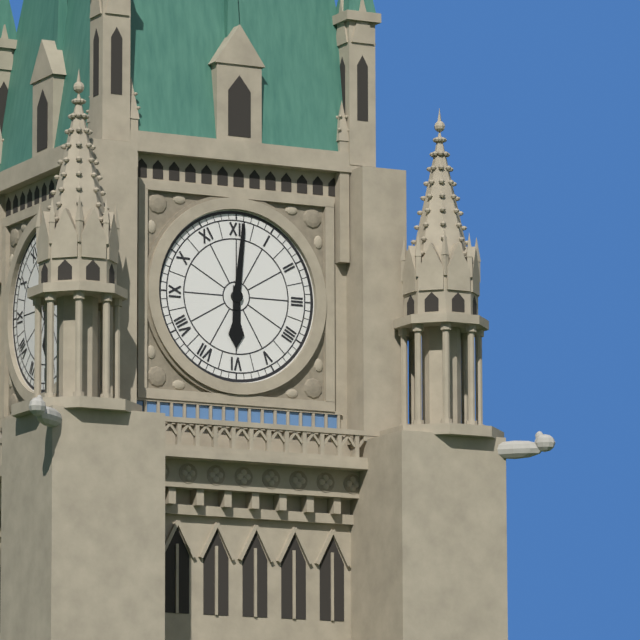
{"hour": 6, "minute": 1}
